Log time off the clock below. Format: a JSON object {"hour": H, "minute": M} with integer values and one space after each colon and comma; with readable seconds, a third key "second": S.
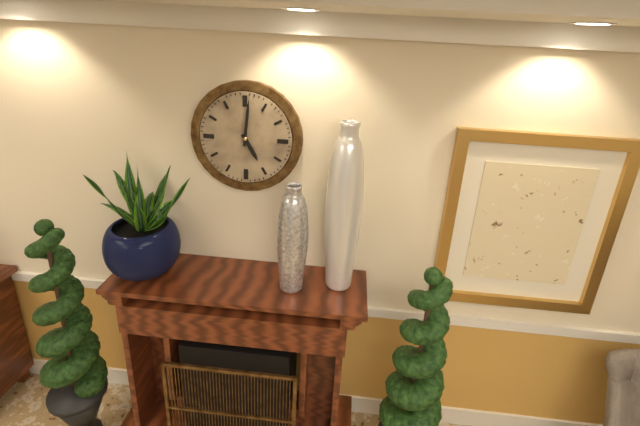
{"hour": 5, "minute": 1}
